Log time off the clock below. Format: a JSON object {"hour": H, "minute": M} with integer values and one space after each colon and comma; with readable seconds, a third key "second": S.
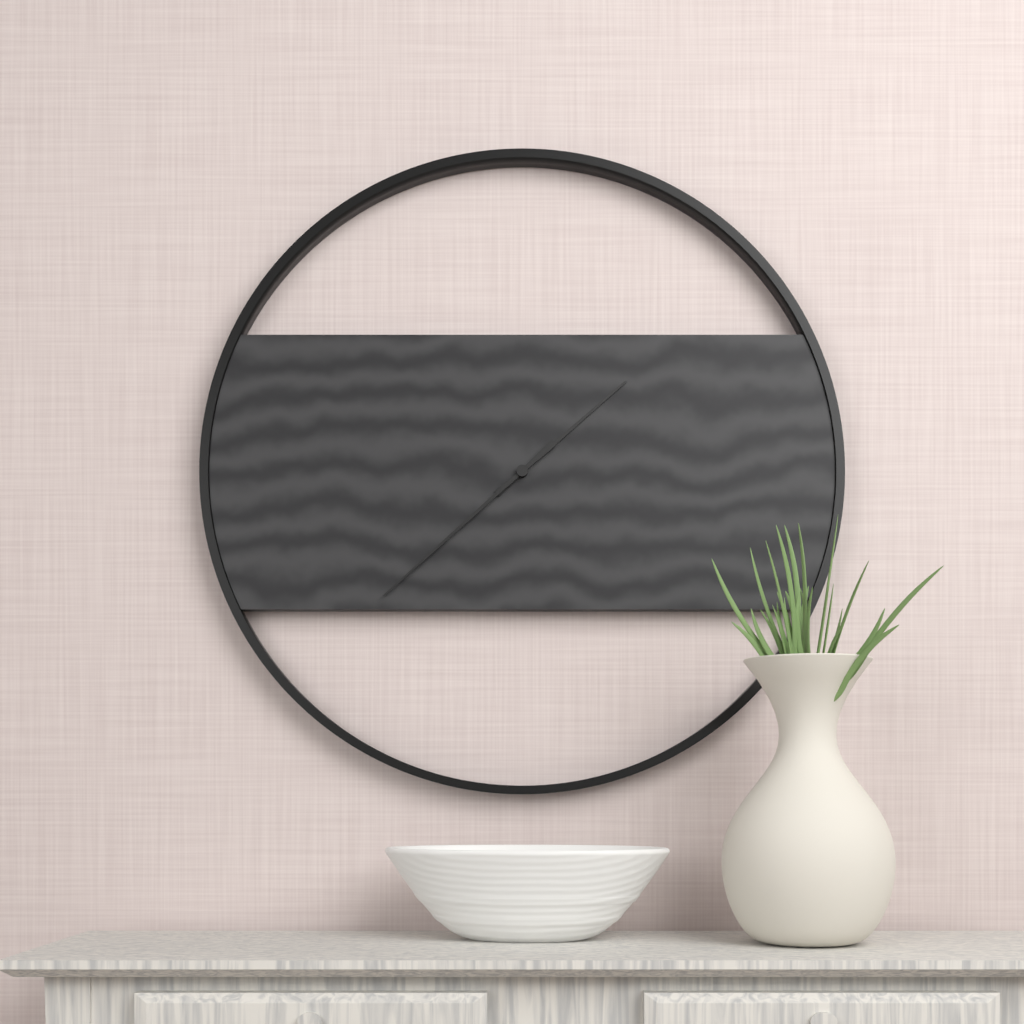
{"hour": 1, "minute": 38}
